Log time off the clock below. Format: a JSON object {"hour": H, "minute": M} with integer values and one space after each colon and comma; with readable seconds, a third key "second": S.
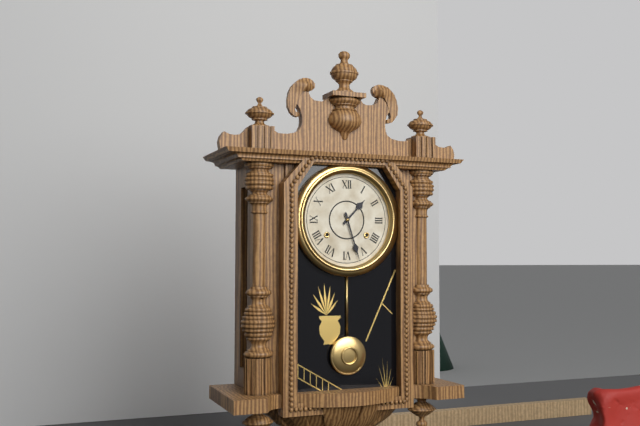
{"hour": 1, "minute": 27}
